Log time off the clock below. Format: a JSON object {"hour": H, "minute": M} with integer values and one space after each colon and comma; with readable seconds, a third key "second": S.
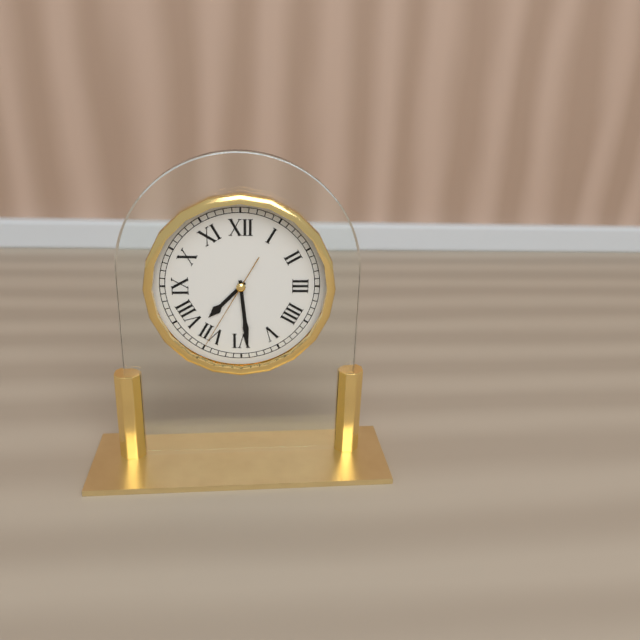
{"hour": 7, "minute": 29, "second": 35}
